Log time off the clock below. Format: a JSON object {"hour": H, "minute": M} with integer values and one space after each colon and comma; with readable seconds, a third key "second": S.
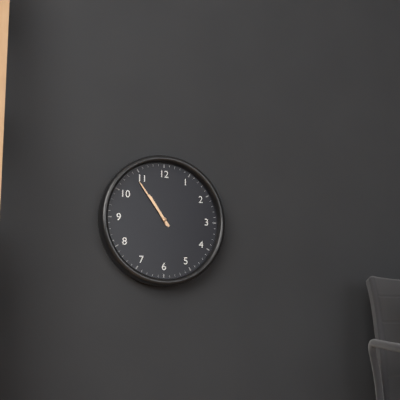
{"hour": 10, "minute": 54}
